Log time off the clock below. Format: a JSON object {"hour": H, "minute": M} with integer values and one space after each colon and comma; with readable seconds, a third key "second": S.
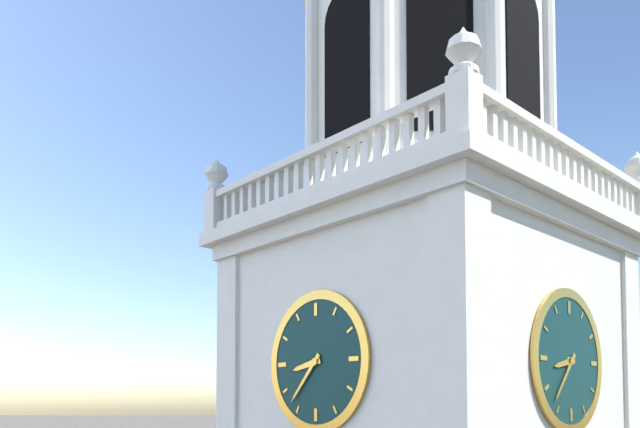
{"hour": 8, "minute": 37}
